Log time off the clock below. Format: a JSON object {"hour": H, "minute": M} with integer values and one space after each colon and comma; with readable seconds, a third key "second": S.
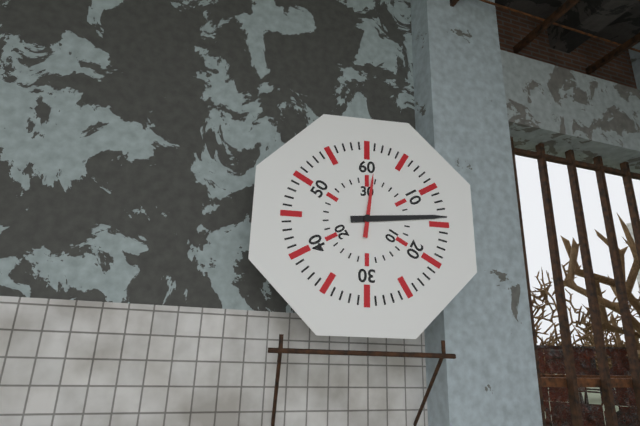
{"hour": 12, "minute": 14}
